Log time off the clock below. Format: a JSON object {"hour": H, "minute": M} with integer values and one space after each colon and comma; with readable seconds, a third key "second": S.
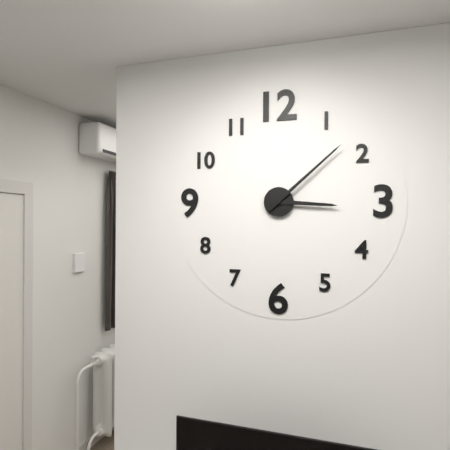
{"hour": 3, "minute": 8}
